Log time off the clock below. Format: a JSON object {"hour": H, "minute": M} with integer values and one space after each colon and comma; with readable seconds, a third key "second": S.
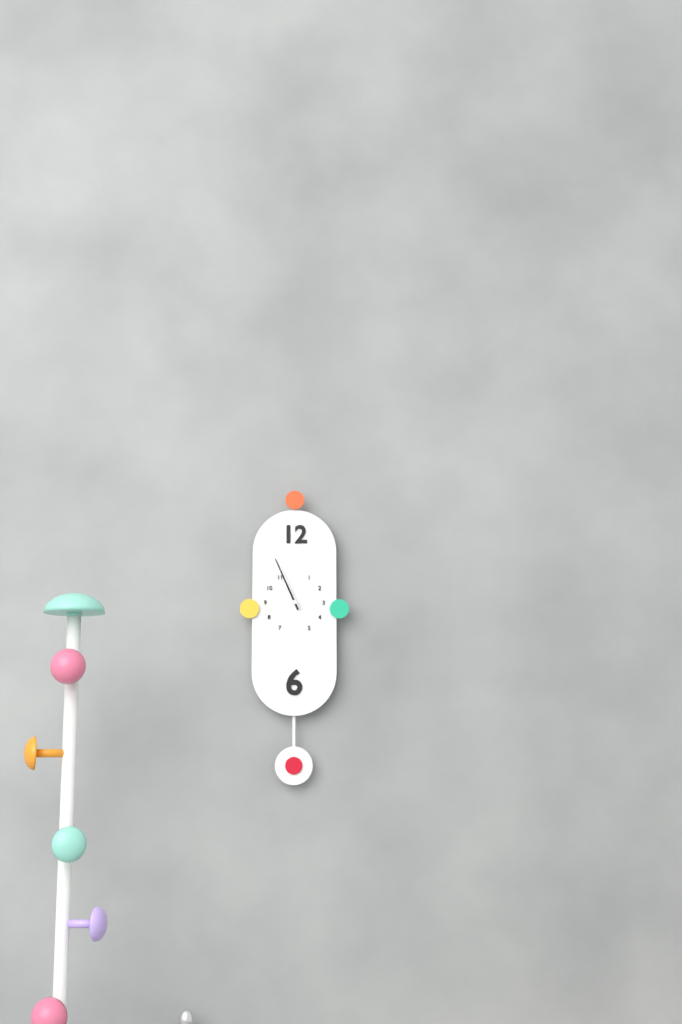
{"hour": 10, "minute": 56}
